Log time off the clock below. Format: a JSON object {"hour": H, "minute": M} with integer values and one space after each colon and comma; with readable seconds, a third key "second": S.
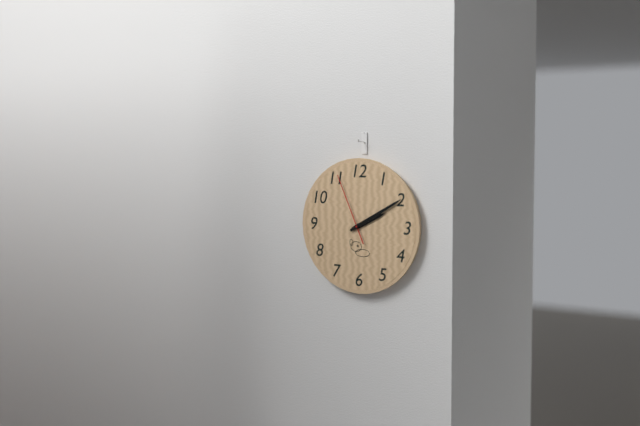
{"hour": 2, "minute": 10, "second": 56}
